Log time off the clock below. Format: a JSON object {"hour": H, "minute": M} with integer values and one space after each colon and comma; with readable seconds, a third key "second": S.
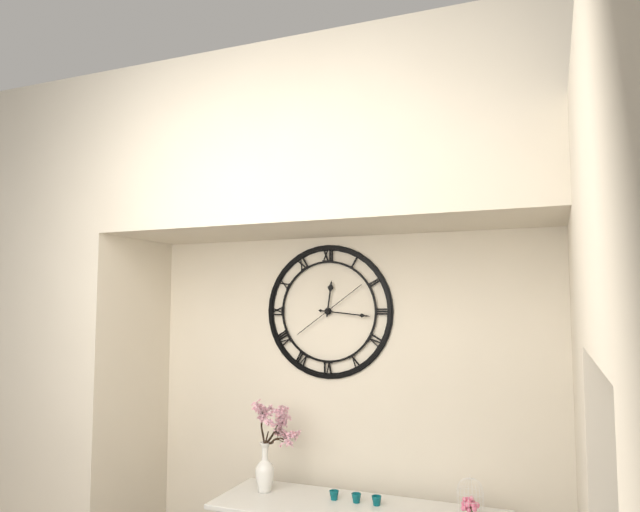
{"hour": 12, "minute": 16, "second": 9}
